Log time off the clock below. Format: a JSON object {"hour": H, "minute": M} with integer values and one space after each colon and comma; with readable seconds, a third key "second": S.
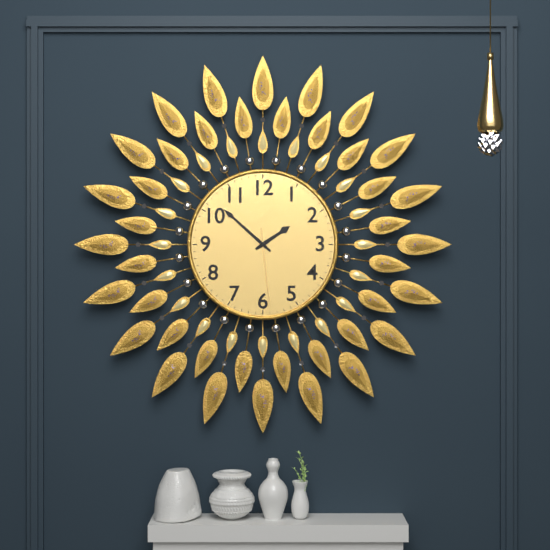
{"hour": 1, "minute": 52, "second": 29}
